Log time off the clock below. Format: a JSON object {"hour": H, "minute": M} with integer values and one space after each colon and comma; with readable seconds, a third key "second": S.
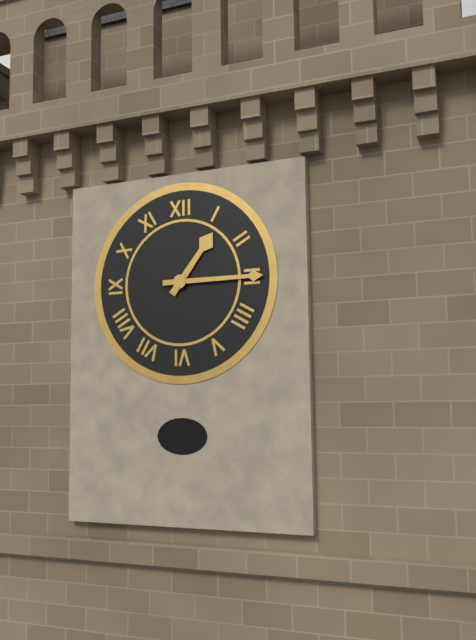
{"hour": 1, "minute": 15}
